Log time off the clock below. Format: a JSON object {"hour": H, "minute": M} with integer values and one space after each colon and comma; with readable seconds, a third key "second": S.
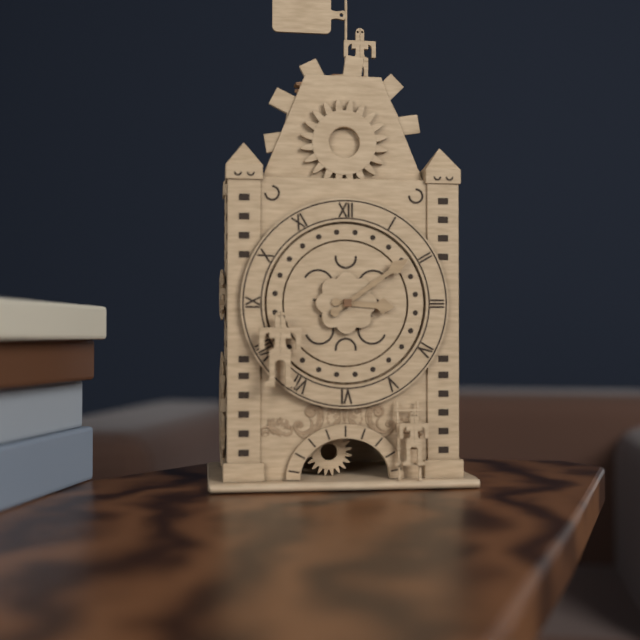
{"hour": 3, "minute": 9}
